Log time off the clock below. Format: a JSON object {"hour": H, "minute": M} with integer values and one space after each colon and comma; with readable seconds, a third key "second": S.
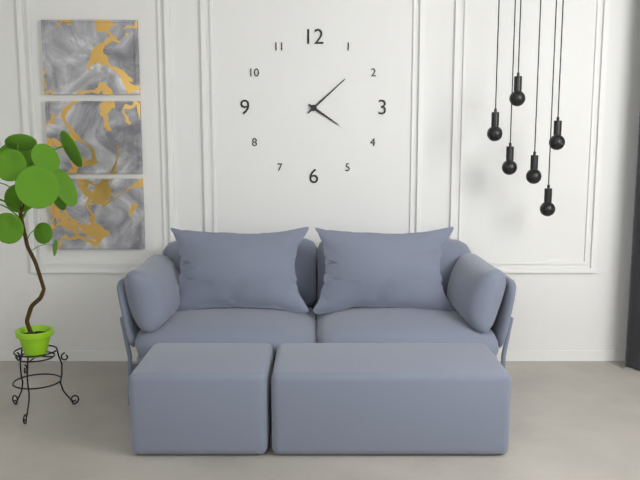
{"hour": 4, "minute": 8}
